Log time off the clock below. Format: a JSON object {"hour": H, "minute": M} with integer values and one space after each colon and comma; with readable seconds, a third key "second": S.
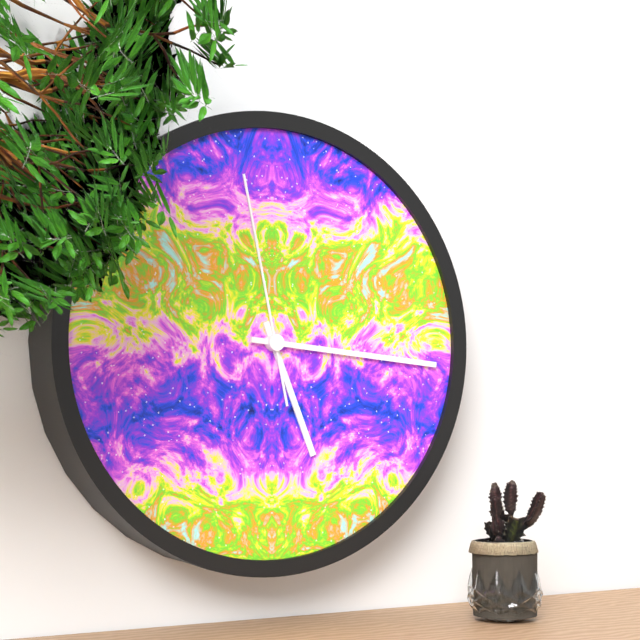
{"hour": 5, "minute": 16, "second": 58}
